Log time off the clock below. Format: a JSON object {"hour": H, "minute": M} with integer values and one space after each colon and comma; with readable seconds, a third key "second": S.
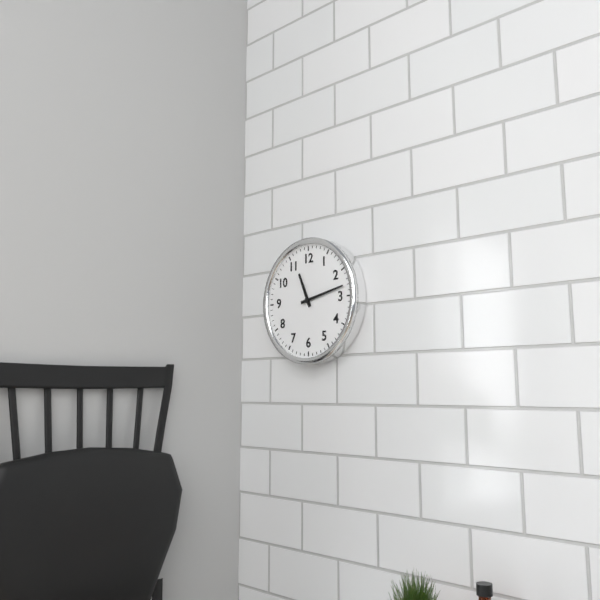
{"hour": 11, "minute": 13}
